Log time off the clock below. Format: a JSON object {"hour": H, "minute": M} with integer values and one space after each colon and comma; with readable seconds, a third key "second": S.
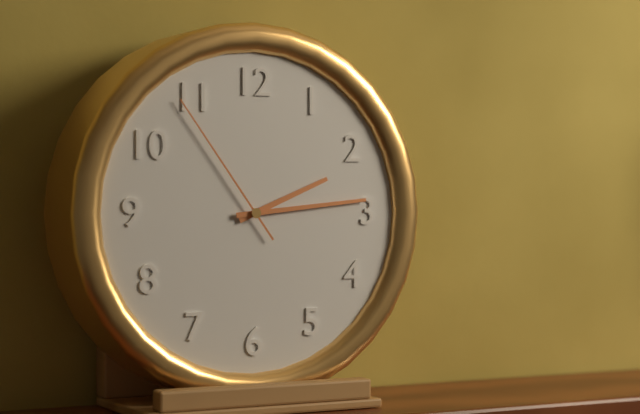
{"hour": 2, "minute": 14, "second": 54}
